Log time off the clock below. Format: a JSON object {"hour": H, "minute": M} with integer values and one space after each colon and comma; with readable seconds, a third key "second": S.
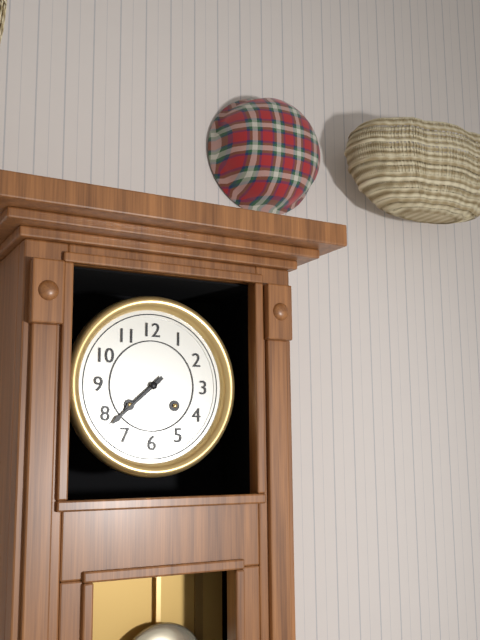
{"hour": 7, "minute": 38}
